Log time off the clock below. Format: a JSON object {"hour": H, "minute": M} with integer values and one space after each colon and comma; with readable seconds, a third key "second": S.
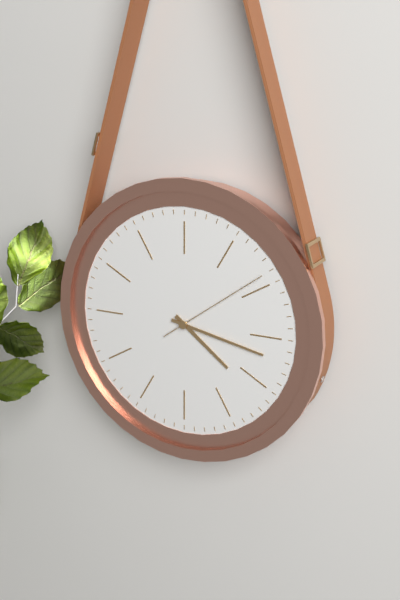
{"hour": 4, "minute": 17, "second": 9}
